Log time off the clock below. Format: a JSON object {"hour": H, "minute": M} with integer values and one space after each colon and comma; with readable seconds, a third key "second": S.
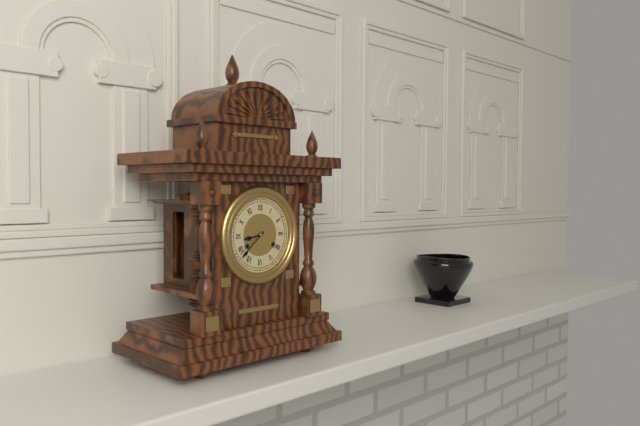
{"hour": 8, "minute": 38}
